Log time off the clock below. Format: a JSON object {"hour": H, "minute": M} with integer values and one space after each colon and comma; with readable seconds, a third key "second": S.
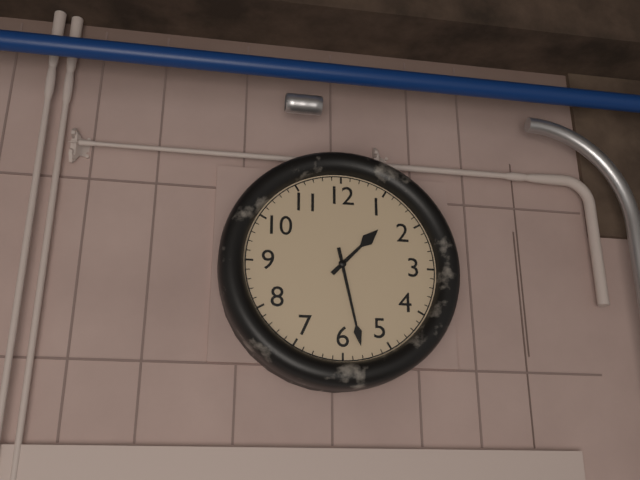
{"hour": 1, "minute": 28}
